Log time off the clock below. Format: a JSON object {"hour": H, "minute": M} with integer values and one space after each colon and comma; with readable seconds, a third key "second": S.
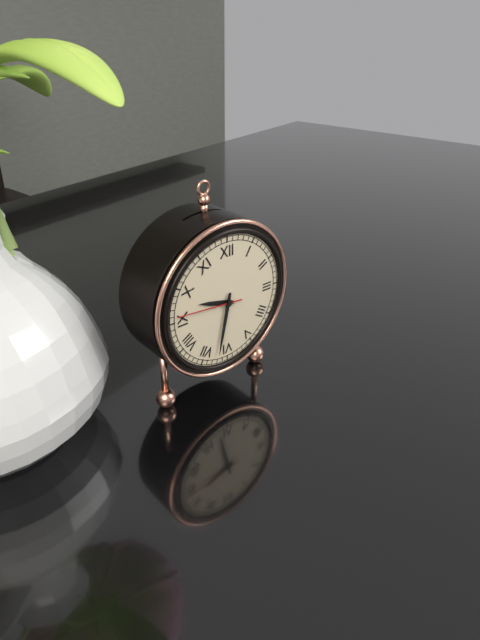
{"hour": 9, "minute": 32, "second": 46}
